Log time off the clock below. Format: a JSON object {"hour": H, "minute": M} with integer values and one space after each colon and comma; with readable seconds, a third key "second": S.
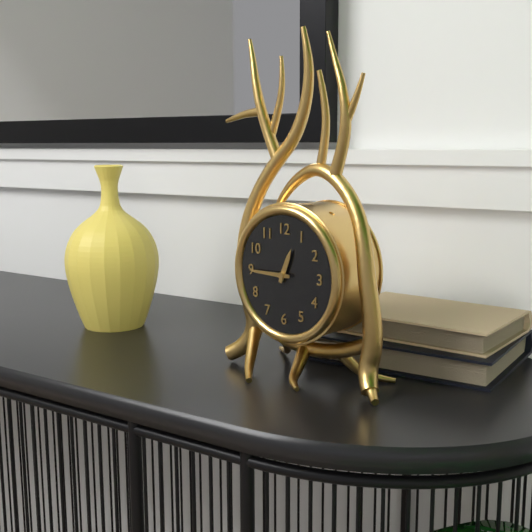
{"hour": 12, "minute": 45}
